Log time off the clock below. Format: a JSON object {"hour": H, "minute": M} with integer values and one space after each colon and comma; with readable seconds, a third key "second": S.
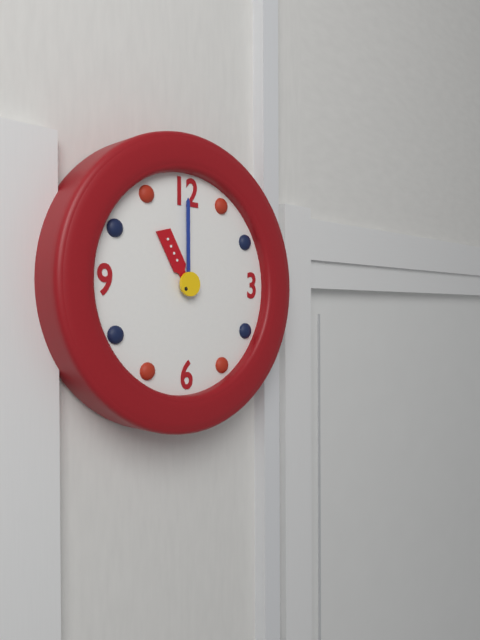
{"hour": 11, "minute": 0}
